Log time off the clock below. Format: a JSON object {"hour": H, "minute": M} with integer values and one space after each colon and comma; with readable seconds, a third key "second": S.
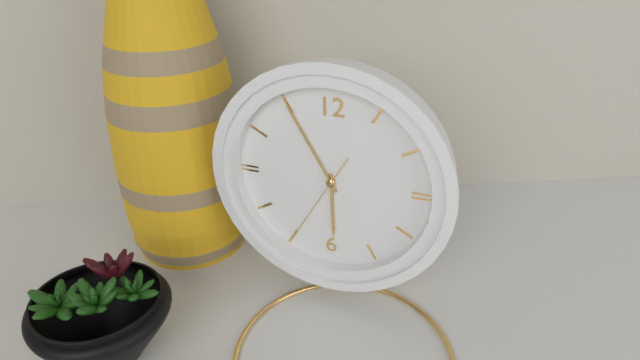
{"hour": 5, "minute": 55, "second": 35}
